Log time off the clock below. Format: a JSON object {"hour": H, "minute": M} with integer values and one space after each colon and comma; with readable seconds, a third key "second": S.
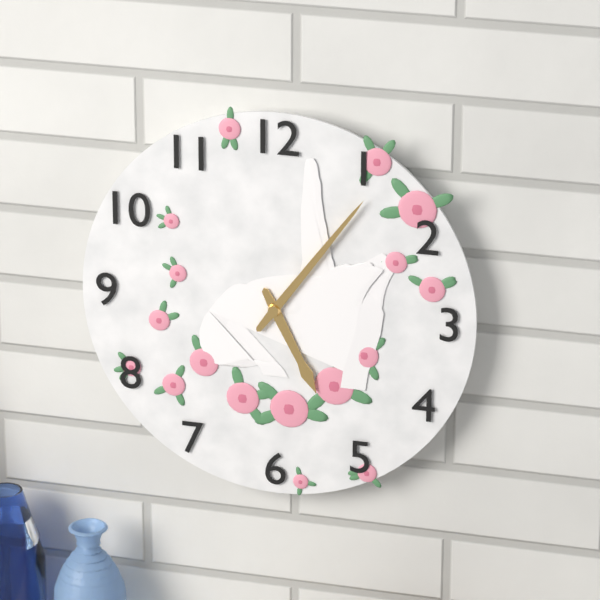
{"hour": 5, "minute": 6}
